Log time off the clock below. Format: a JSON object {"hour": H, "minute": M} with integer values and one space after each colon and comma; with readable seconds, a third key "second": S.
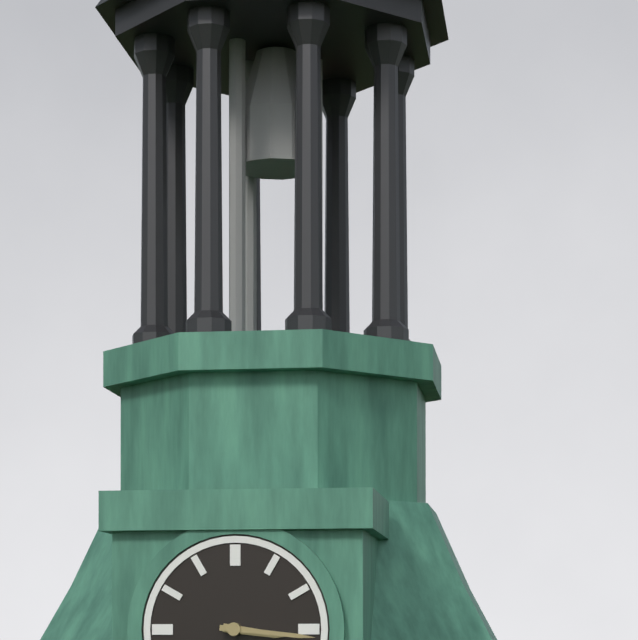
{"hour": 3, "minute": 16}
